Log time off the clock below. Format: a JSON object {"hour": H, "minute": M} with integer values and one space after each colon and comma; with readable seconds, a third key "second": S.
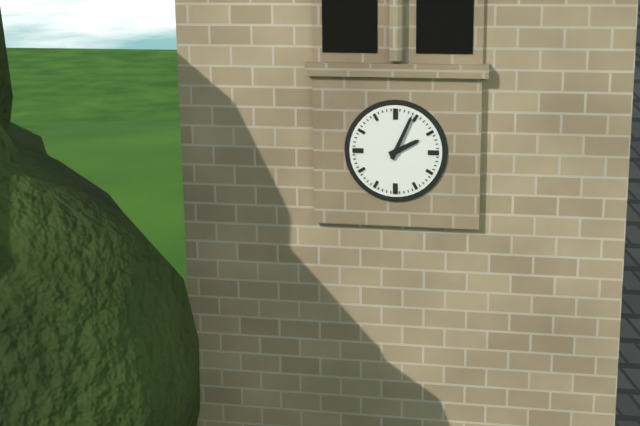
{"hour": 2, "minute": 4}
